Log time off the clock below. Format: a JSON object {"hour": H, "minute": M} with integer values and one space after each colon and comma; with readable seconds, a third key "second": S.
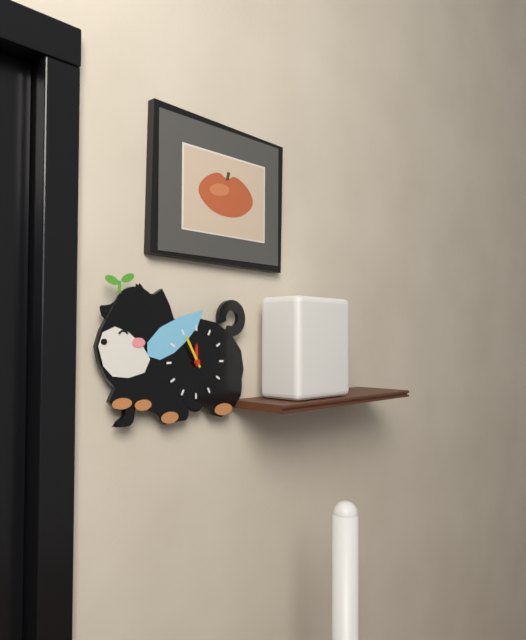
{"hour": 11, "minute": 55}
